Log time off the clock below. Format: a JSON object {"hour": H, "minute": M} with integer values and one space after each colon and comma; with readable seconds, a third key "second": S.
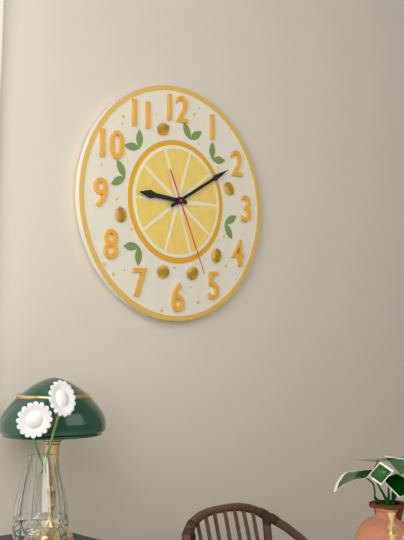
{"hour": 9, "minute": 10, "second": 26}
